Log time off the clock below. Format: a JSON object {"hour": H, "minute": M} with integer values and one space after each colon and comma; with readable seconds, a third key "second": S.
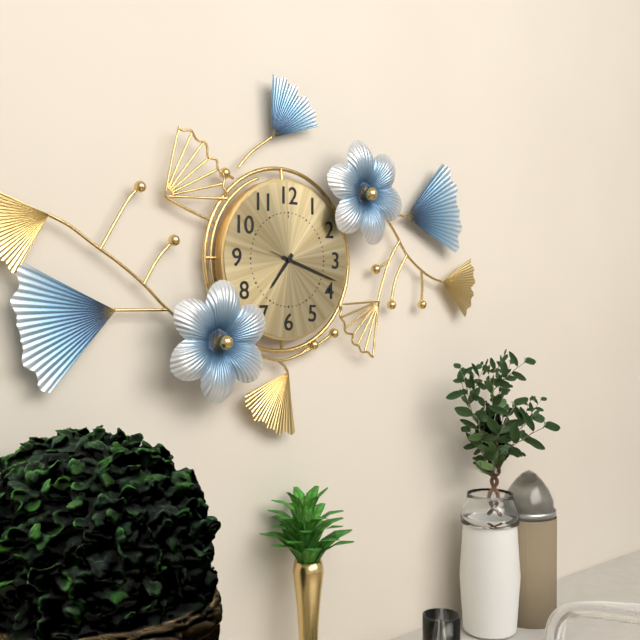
{"hour": 7, "minute": 18}
